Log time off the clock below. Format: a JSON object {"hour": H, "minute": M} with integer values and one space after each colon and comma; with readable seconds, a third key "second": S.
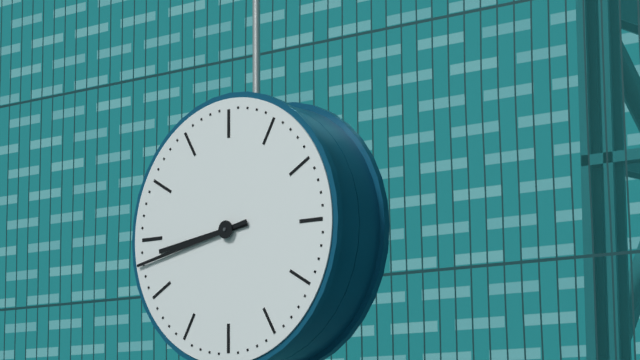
{"hour": 8, "minute": 43}
